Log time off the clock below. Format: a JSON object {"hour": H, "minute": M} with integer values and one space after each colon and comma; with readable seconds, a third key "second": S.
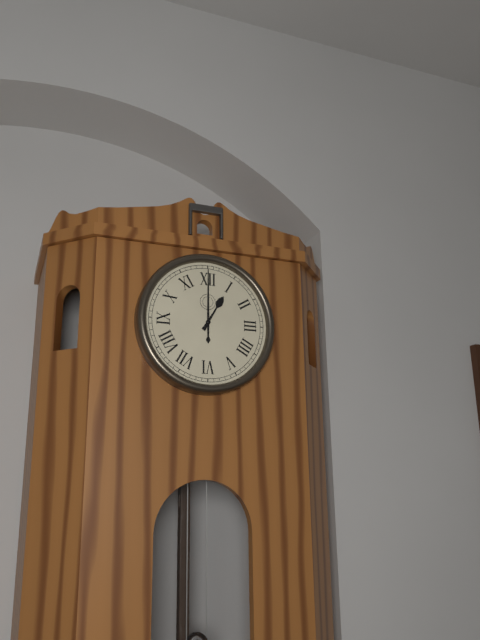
{"hour": 1, "minute": 0}
